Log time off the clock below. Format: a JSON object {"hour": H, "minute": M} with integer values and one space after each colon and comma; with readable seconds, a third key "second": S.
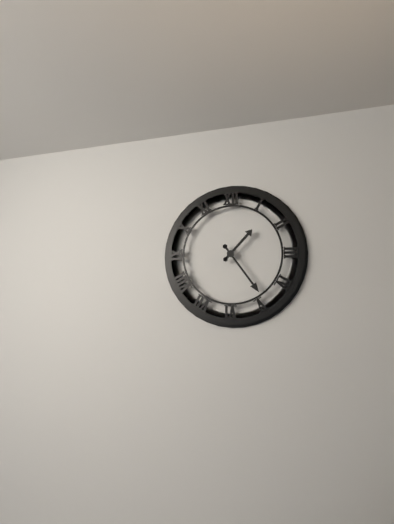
{"hour": 1, "minute": 24}
